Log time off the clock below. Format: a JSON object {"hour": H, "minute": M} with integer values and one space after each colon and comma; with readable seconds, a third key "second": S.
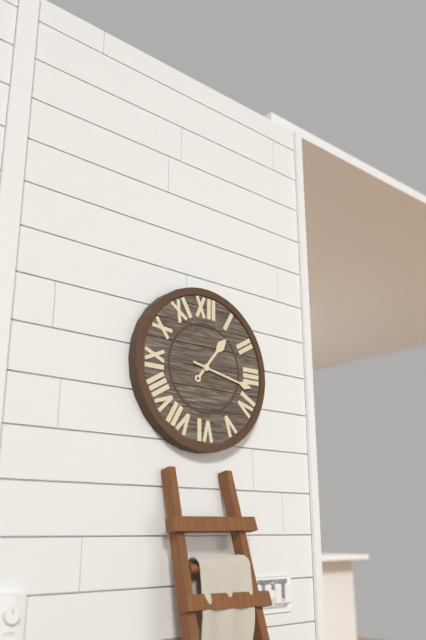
{"hour": 1, "minute": 17}
